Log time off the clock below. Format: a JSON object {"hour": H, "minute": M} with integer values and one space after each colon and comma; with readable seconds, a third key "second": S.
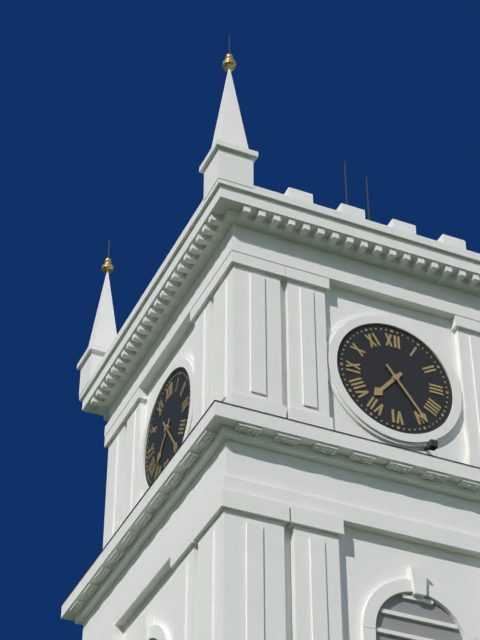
{"hour": 7, "minute": 24}
